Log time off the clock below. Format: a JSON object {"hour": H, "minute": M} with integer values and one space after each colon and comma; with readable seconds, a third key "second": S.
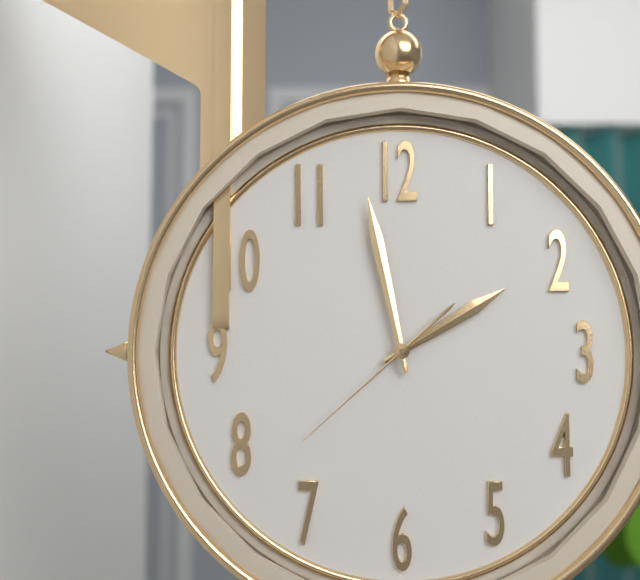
{"hour": 1, "minute": 58, "second": 38}
